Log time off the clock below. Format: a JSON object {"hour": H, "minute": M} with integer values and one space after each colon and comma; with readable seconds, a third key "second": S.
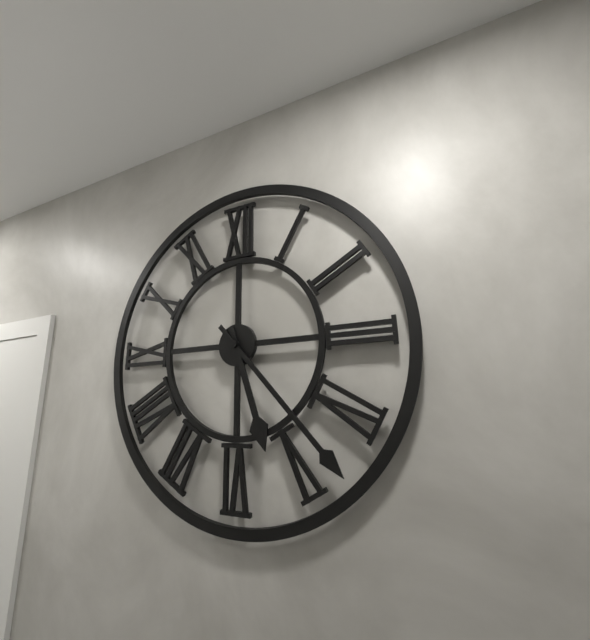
{"hour": 5, "minute": 23}
